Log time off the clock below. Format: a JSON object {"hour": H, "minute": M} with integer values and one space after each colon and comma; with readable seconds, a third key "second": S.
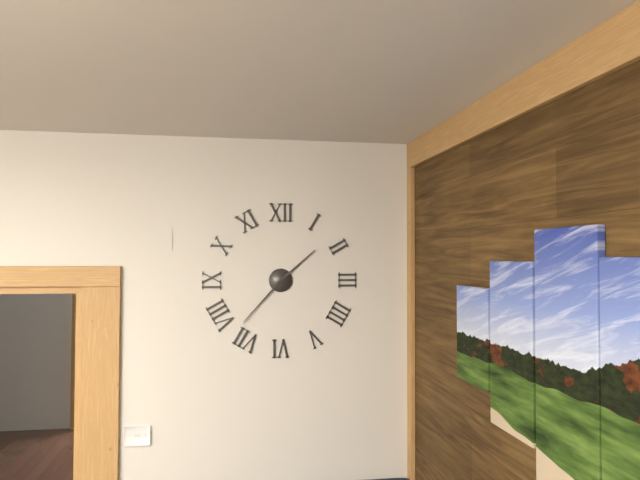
{"hour": 1, "minute": 37}
